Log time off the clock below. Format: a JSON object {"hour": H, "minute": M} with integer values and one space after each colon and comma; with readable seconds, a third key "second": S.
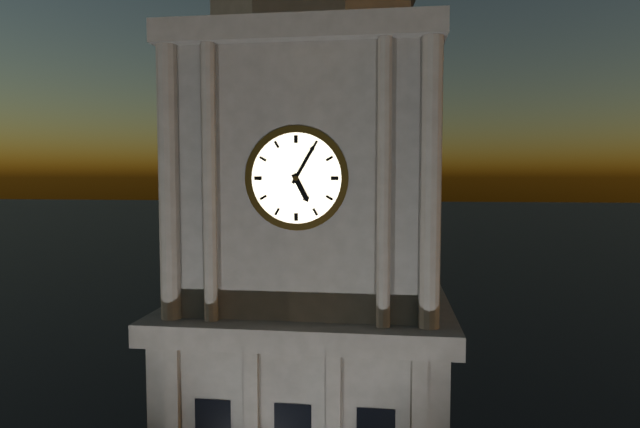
{"hour": 5, "minute": 5}
